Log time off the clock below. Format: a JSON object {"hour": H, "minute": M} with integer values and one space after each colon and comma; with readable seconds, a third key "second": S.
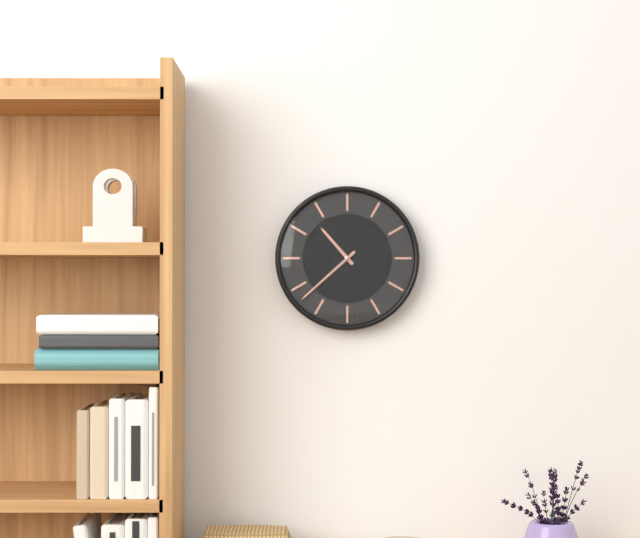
{"hour": 10, "minute": 38}
